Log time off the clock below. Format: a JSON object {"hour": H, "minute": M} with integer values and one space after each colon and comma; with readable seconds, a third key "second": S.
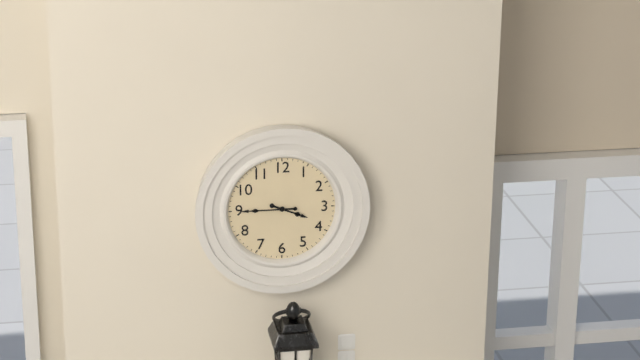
{"hour": 3, "minute": 45}
